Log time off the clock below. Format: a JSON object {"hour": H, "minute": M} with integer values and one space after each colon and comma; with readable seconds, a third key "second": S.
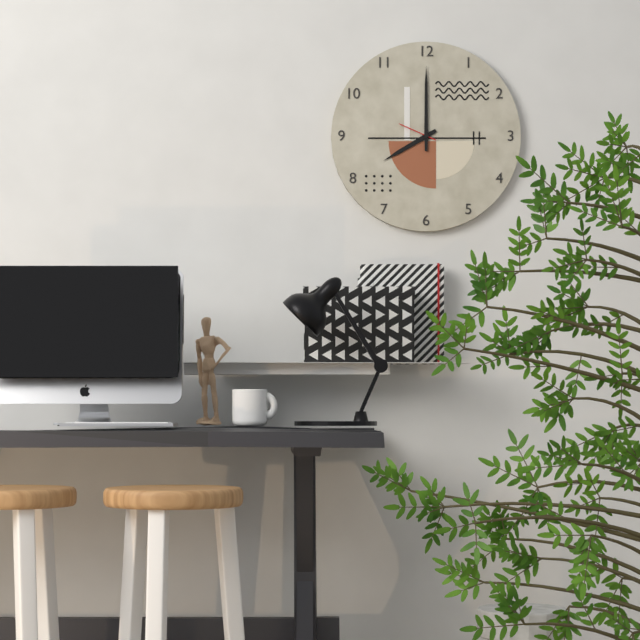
{"hour": 8, "minute": 0}
